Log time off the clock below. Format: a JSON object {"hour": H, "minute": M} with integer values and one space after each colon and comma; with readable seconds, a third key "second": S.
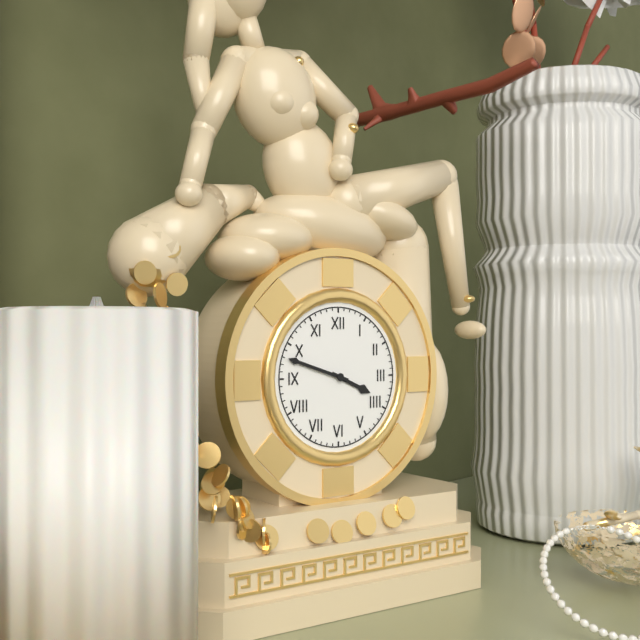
{"hour": 3, "minute": 48}
